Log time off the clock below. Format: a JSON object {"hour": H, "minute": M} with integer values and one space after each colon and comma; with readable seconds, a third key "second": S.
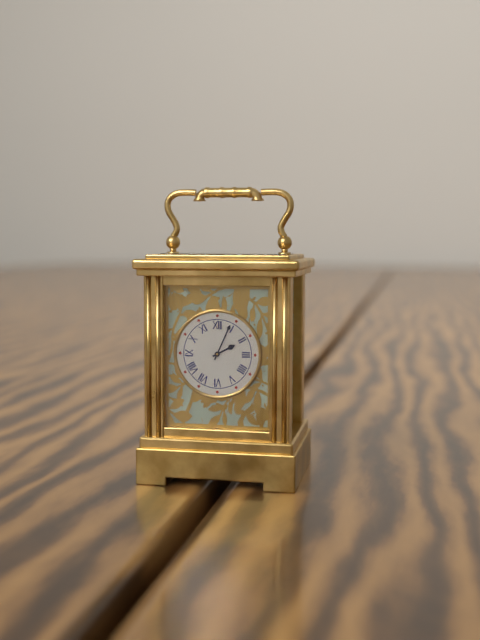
{"hour": 2, "minute": 4}
